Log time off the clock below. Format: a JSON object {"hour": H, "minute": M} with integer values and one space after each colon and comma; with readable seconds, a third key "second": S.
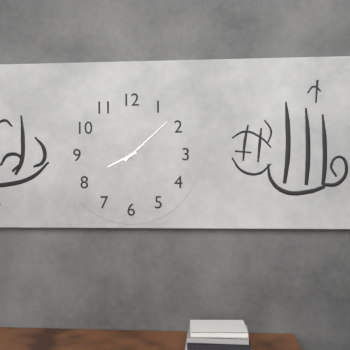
{"hour": 8, "minute": 8}
